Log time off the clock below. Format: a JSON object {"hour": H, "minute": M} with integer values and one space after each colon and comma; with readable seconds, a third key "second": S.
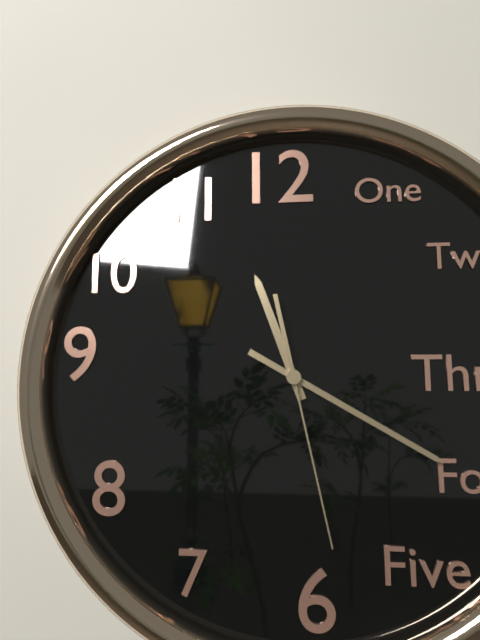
{"hour": 11, "minute": 20, "second": 28}
